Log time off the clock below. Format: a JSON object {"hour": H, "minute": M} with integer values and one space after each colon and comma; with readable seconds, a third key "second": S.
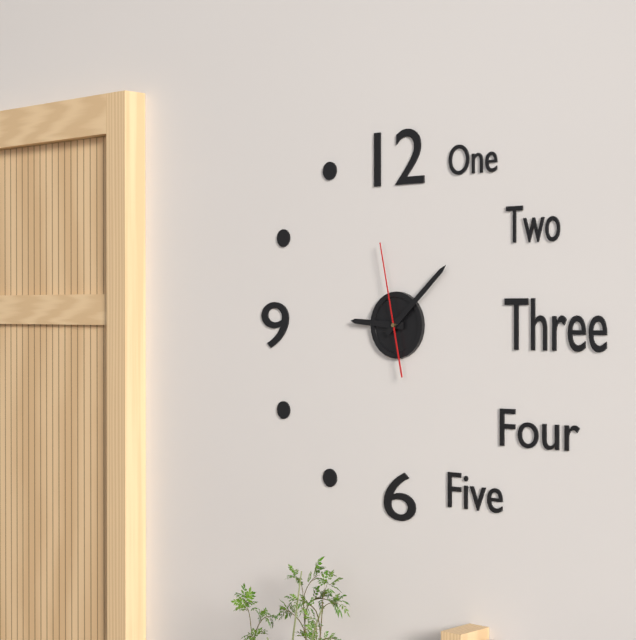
{"hour": 9, "minute": 8, "second": 58}
